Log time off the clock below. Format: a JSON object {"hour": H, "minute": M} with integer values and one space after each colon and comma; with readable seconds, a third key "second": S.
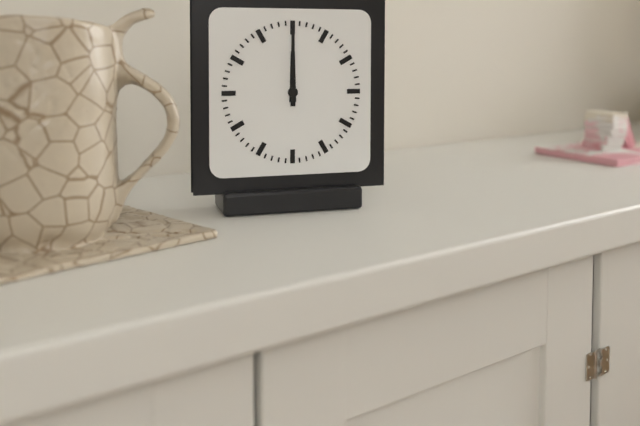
{"hour": 12, "minute": 0}
